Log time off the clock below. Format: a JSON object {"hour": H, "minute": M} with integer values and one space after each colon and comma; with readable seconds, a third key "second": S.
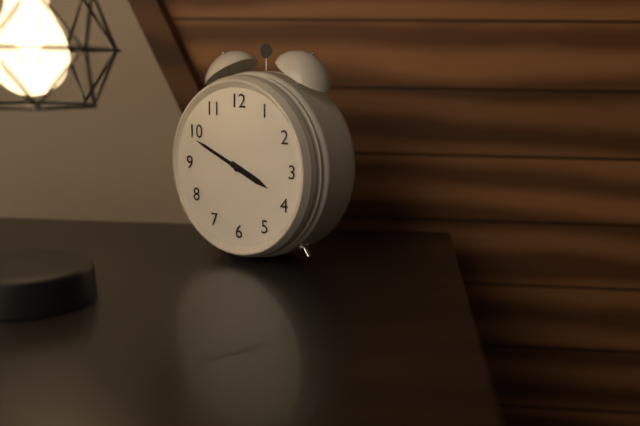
{"hour": 3, "minute": 49}
